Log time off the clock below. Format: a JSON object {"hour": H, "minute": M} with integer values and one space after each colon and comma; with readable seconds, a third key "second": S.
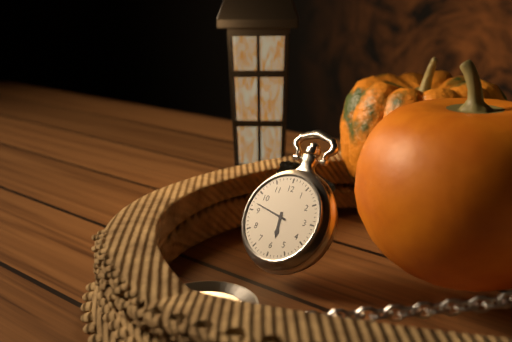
{"hour": 5, "minute": 47}
